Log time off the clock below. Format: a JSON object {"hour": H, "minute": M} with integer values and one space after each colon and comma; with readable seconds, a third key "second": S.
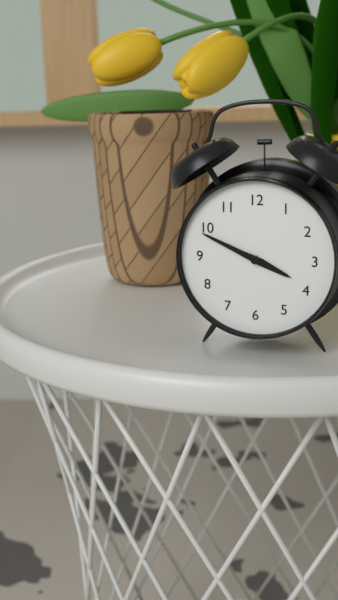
{"hour": 3, "minute": 49}
